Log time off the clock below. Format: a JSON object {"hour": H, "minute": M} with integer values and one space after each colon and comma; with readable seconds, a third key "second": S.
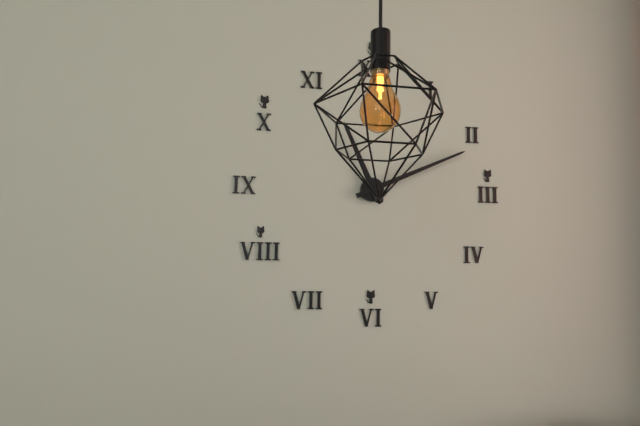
{"hour": 11, "minute": 11}
